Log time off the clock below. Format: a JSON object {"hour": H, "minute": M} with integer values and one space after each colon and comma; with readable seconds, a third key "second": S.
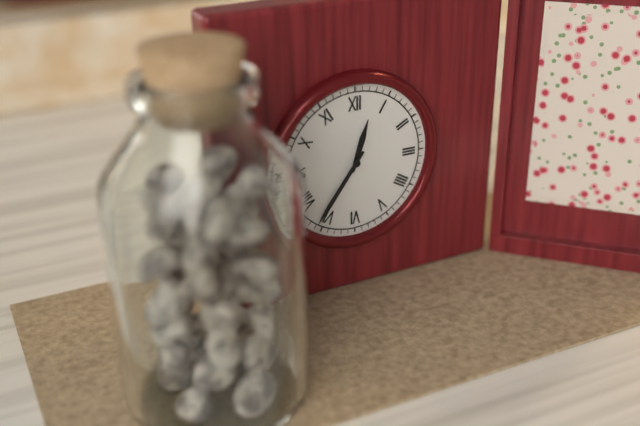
{"hour": 12, "minute": 36}
